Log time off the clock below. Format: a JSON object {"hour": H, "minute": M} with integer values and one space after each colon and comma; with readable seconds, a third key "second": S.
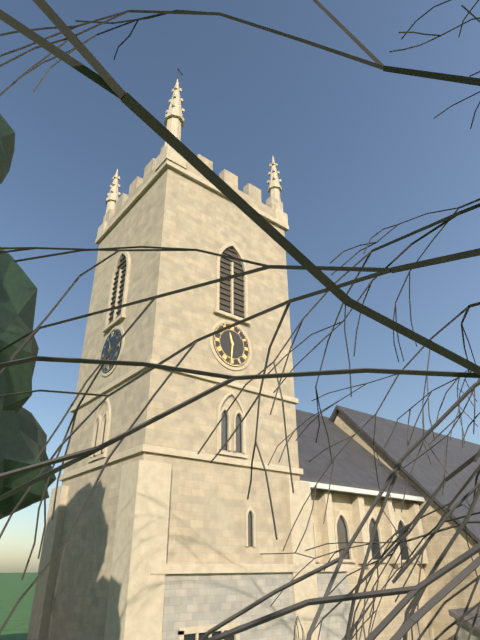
{"hour": 11, "minute": 31}
